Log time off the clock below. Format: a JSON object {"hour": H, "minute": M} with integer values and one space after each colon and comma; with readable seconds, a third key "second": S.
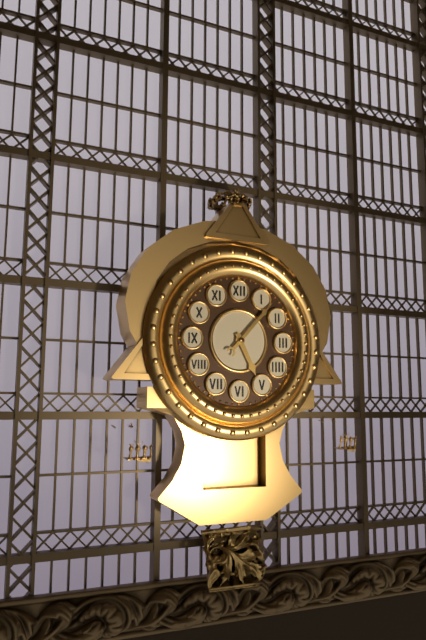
{"hour": 5, "minute": 7}
